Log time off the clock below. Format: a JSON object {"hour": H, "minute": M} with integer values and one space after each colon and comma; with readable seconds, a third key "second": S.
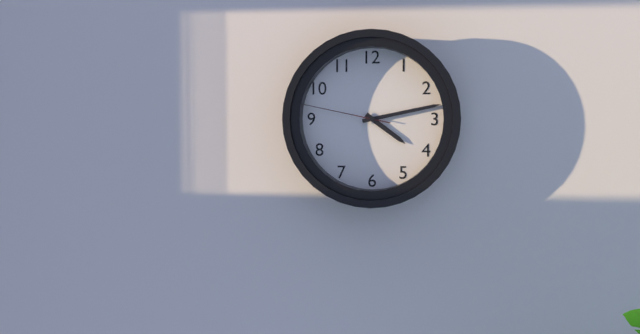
{"hour": 4, "minute": 13, "second": 47}
